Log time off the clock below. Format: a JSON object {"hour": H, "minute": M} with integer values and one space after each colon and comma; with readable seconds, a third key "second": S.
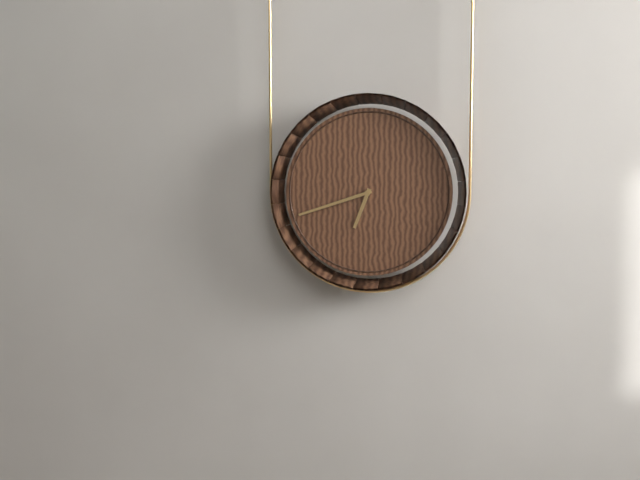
{"hour": 6, "minute": 42}
